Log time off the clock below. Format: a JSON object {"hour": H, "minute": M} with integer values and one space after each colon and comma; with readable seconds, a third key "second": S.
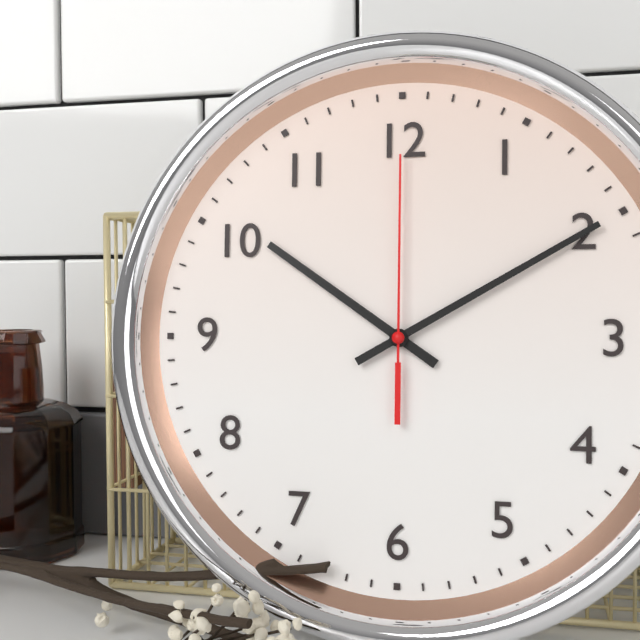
{"hour": 10, "minute": 10, "second": 0}
